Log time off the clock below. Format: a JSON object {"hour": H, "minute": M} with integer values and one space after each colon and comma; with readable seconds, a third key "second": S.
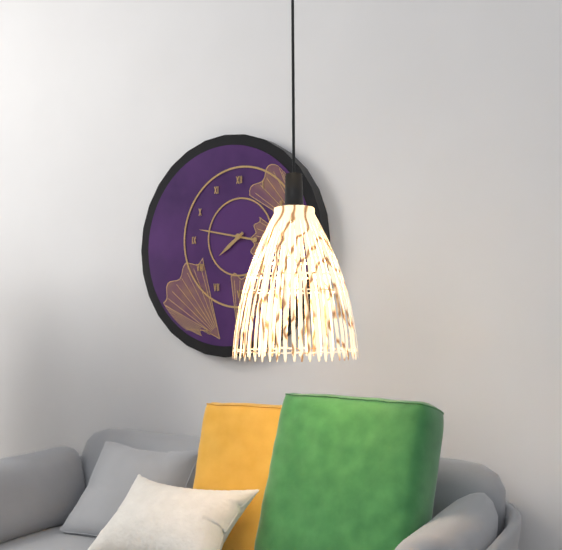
{"hour": 7, "minute": 47}
